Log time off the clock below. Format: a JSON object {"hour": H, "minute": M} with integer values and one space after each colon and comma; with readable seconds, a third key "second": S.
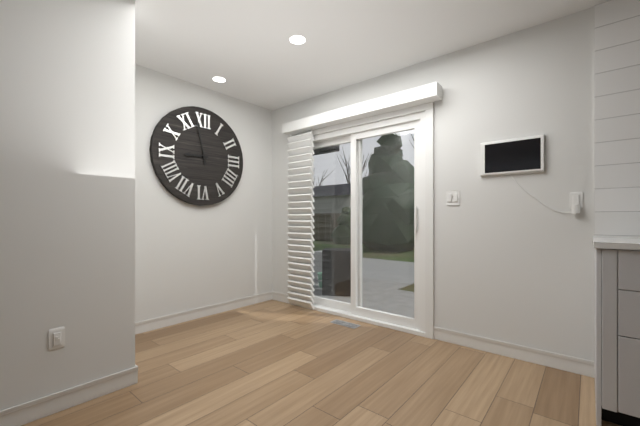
{"hour": 8, "minute": 58}
